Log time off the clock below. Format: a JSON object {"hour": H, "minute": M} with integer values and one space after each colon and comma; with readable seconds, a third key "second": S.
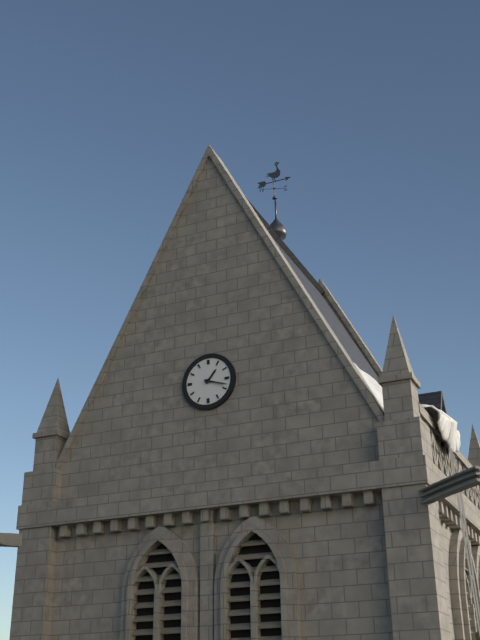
{"hour": 1, "minute": 18}
